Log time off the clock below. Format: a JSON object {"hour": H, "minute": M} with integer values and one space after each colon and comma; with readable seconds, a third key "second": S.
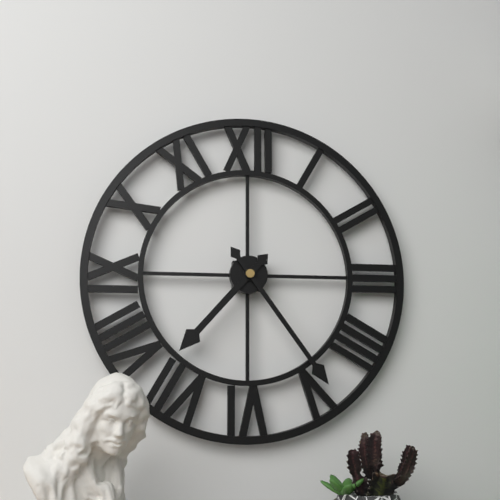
{"hour": 7, "minute": 24}
